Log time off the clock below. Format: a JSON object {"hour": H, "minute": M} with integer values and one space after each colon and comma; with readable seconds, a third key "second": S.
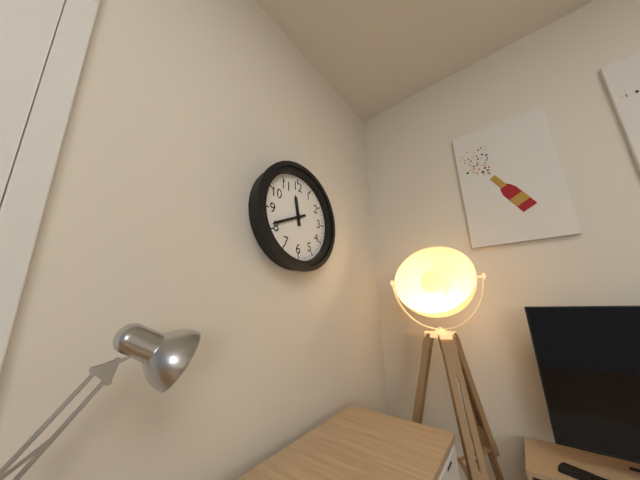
{"hour": 11, "minute": 41}
